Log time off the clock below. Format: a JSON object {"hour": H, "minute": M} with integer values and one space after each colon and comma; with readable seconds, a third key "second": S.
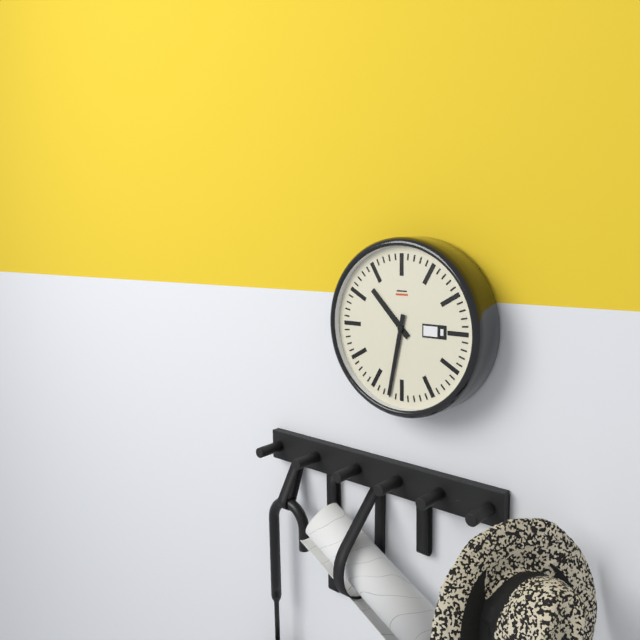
{"hour": 10, "minute": 32}
